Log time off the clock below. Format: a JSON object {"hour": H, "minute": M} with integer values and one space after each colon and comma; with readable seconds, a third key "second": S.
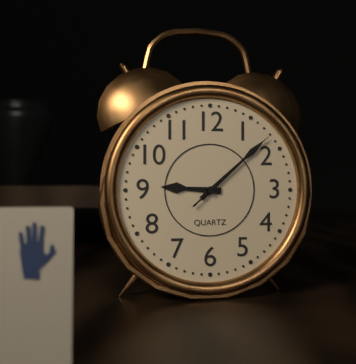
{"hour": 9, "minute": 8, "second": 8}
